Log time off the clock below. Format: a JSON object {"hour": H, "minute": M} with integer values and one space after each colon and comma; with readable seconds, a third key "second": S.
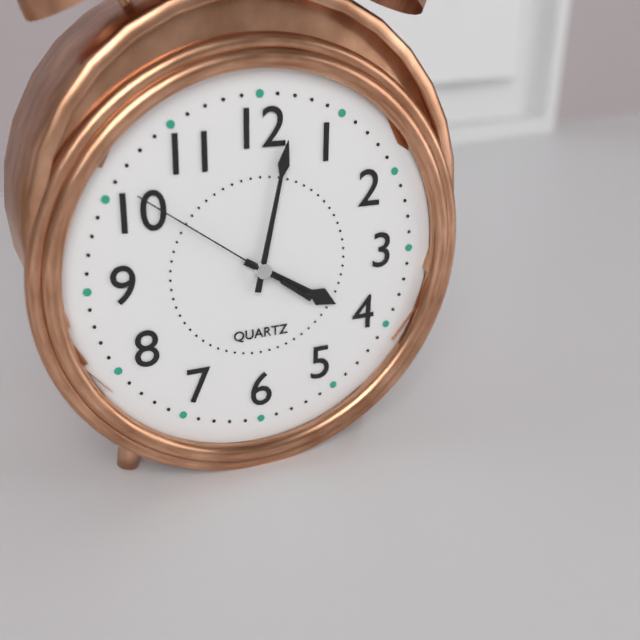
{"hour": 4, "minute": 2, "second": 51}
